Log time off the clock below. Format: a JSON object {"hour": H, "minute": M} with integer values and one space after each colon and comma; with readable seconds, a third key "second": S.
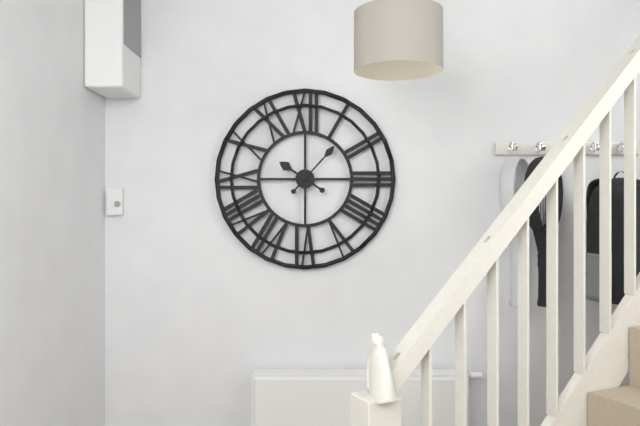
{"hour": 10, "minute": 7}
